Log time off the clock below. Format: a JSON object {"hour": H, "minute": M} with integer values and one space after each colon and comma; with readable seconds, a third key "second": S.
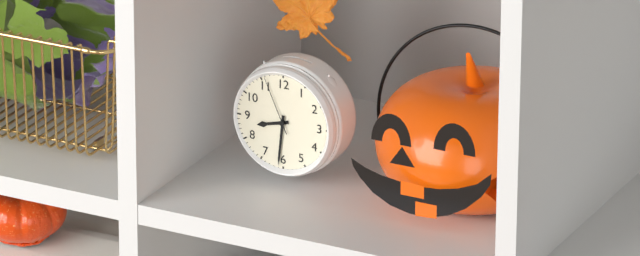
{"hour": 8, "minute": 31, "second": 56}
